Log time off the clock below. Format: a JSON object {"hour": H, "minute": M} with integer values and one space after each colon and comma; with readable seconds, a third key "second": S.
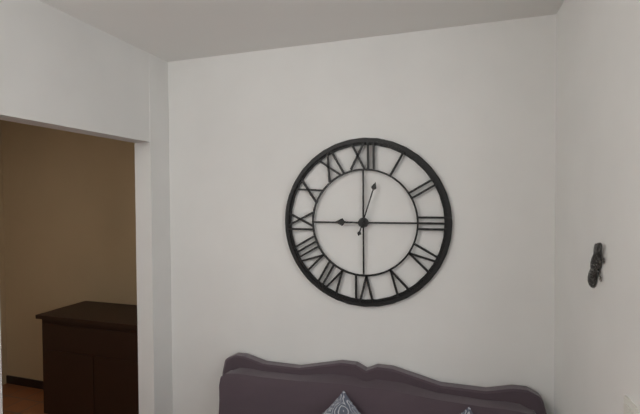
{"hour": 9, "minute": 3}
